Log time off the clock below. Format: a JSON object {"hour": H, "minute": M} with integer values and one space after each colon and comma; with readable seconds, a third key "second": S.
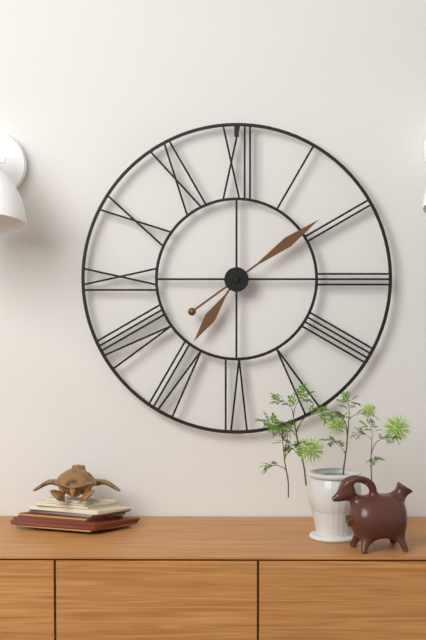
{"hour": 7, "minute": 9}
